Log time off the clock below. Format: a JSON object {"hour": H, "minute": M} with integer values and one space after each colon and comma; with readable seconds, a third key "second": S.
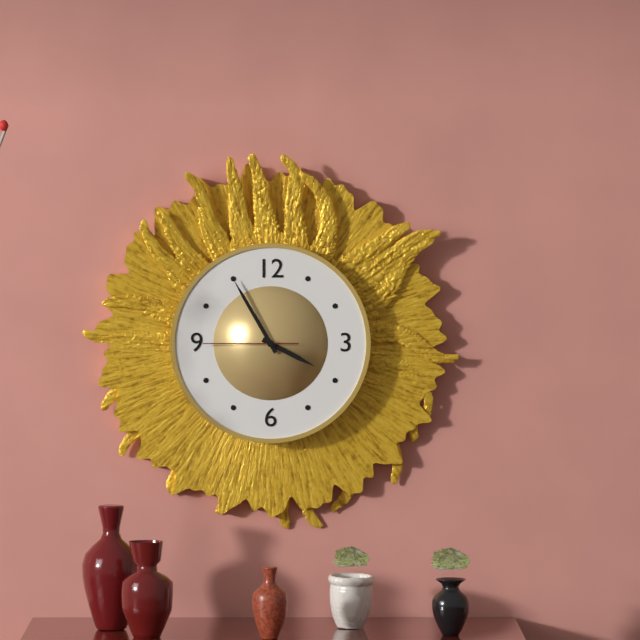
{"hour": 3, "minute": 55, "second": 45}
